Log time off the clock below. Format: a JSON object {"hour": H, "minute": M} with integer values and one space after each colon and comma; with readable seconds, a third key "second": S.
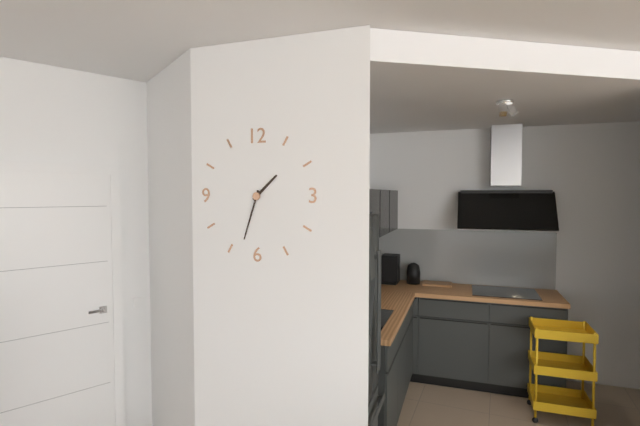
{"hour": 1, "minute": 33}
